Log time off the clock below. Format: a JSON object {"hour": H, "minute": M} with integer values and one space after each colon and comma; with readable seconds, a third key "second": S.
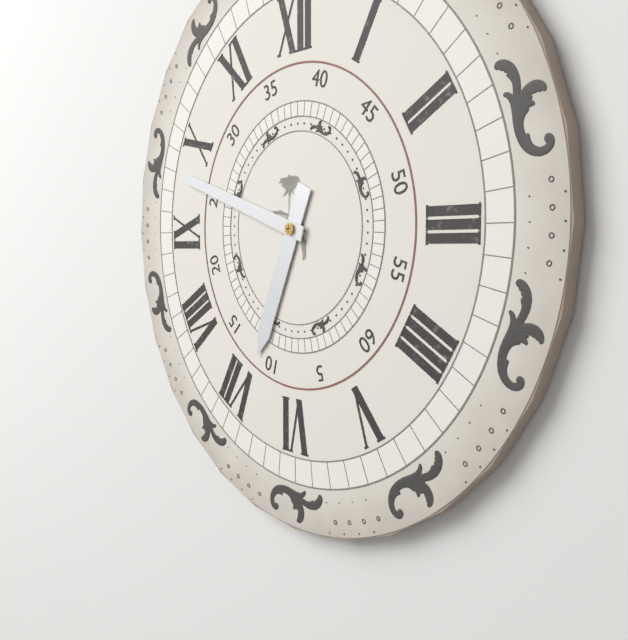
{"hour": 6, "minute": 48}
